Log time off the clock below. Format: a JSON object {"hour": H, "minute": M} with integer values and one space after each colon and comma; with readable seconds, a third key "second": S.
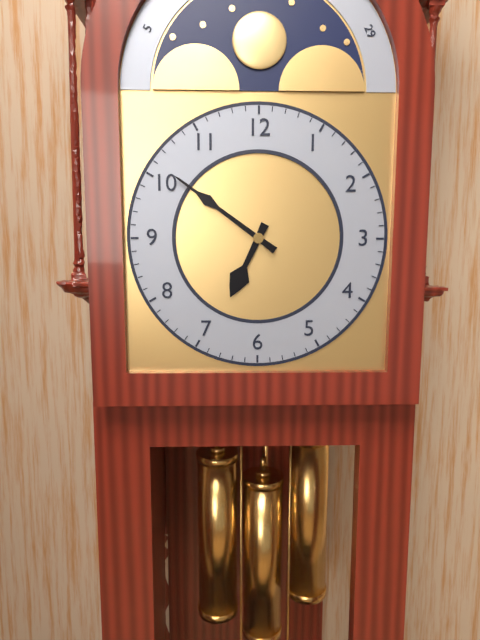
{"hour": 6, "minute": 51}
